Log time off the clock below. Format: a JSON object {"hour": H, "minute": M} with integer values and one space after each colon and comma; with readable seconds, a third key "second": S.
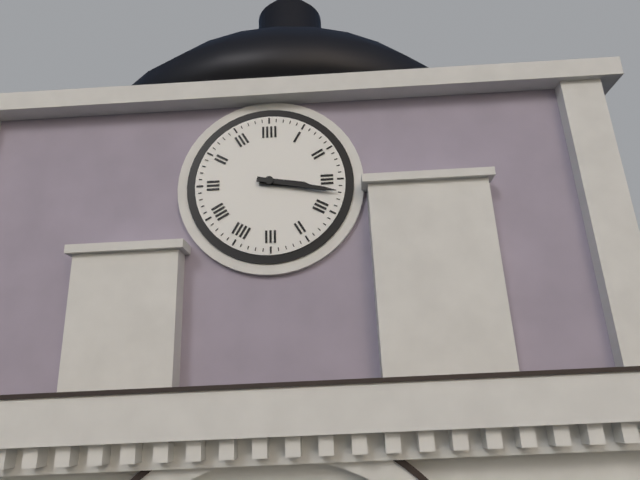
{"hour": 3, "minute": 17}
